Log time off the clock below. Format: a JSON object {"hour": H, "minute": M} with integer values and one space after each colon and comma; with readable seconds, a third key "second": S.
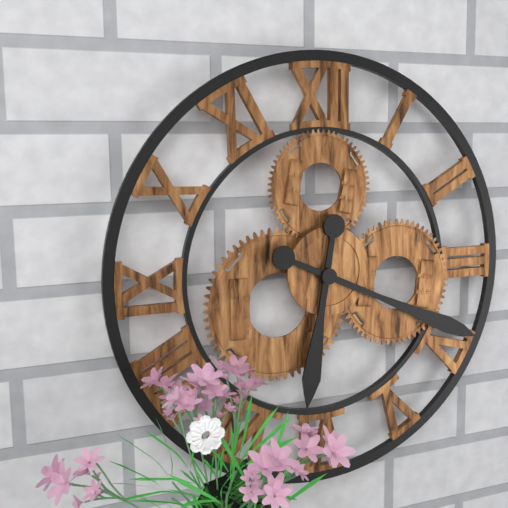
{"hour": 6, "minute": 19}
